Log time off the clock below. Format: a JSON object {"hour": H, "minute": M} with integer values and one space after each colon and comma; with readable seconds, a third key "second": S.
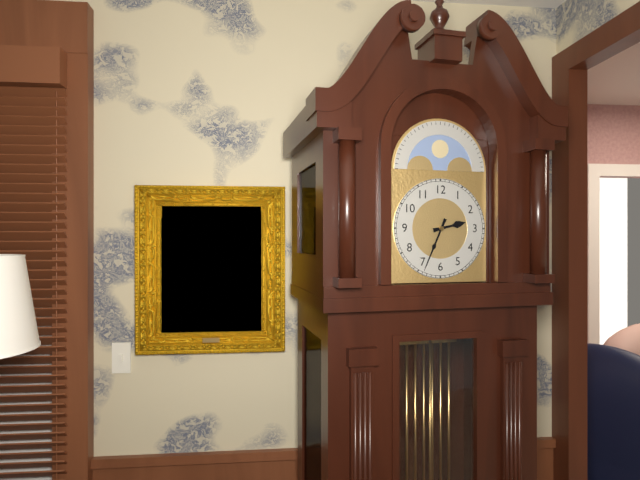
{"hour": 2, "minute": 34}
